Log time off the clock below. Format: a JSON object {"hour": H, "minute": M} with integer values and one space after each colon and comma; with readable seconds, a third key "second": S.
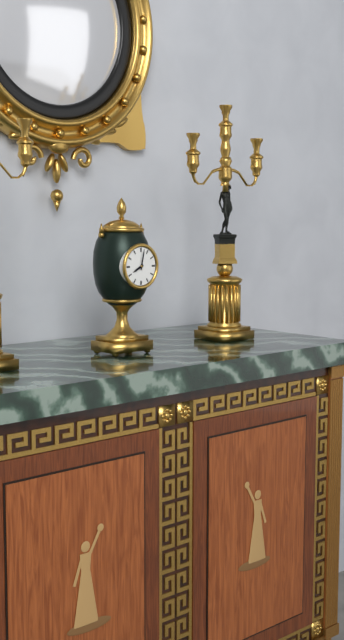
{"hour": 8, "minute": 2}
